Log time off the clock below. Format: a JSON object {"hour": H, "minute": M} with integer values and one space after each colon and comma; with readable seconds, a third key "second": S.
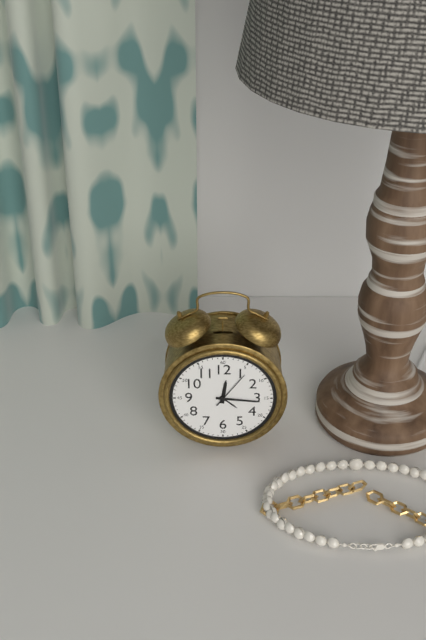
{"hour": 12, "minute": 16}
